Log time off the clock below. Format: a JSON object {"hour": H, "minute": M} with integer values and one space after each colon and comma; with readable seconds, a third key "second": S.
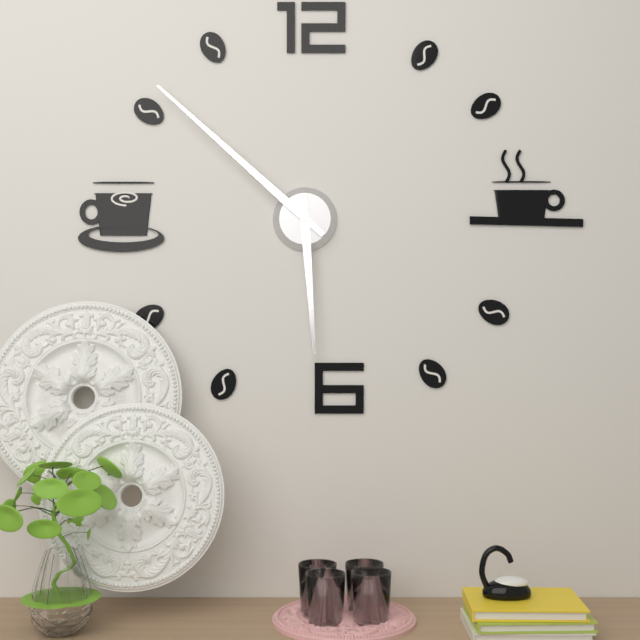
{"hour": 5, "minute": 52}
